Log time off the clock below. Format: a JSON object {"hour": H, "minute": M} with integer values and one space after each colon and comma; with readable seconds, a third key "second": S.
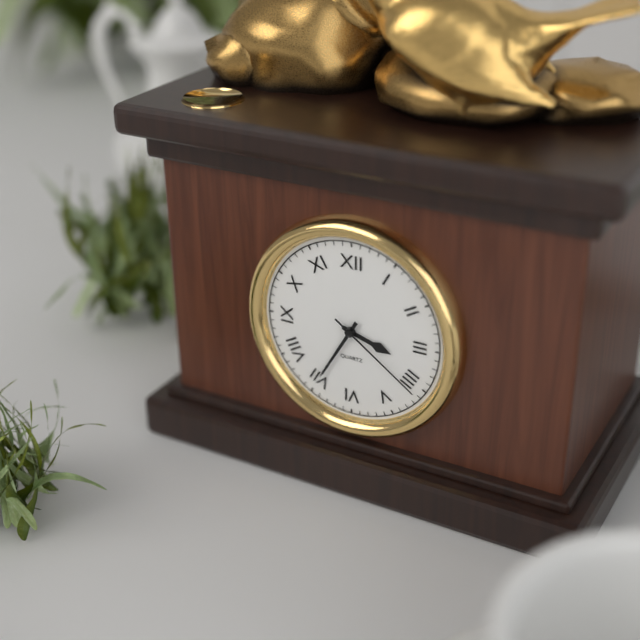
{"hour": 3, "minute": 35, "second": 21}
